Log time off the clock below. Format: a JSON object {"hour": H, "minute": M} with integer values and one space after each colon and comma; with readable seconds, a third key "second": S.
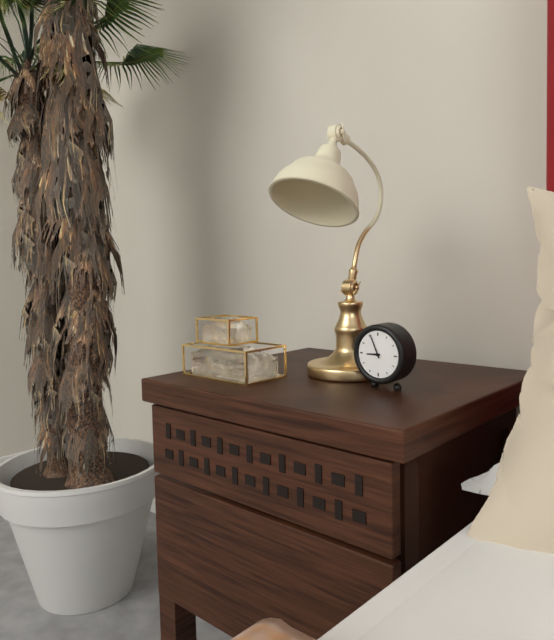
{"hour": 8, "minute": 56}
